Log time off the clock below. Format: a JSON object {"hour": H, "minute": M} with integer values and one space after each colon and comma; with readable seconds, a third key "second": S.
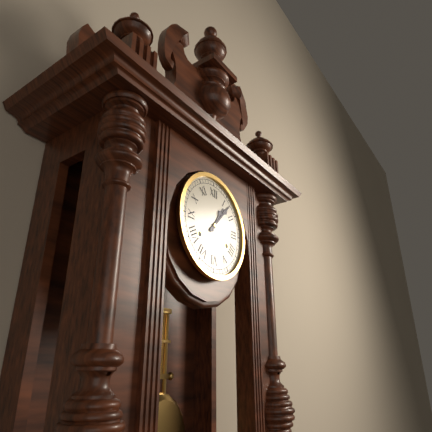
{"hour": 1, "minute": 7}
